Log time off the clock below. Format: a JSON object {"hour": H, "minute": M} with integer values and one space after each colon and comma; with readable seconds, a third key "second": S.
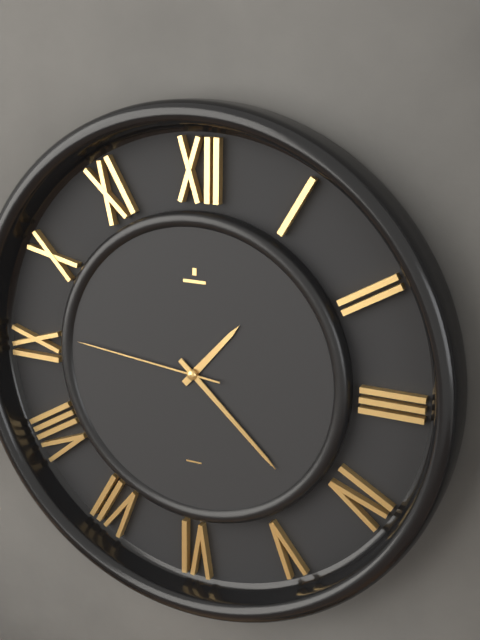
{"hour": 1, "minute": 22, "second": 46}
